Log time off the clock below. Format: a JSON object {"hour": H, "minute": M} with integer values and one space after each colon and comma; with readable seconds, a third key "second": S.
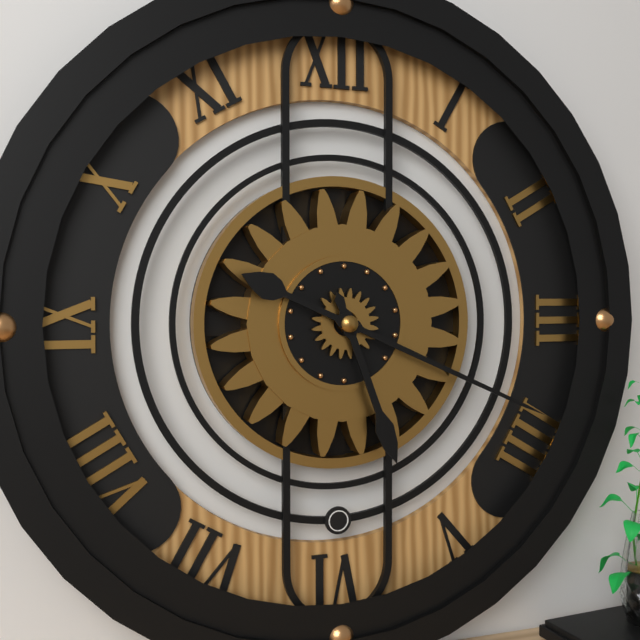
{"hour": 5, "minute": 19}
